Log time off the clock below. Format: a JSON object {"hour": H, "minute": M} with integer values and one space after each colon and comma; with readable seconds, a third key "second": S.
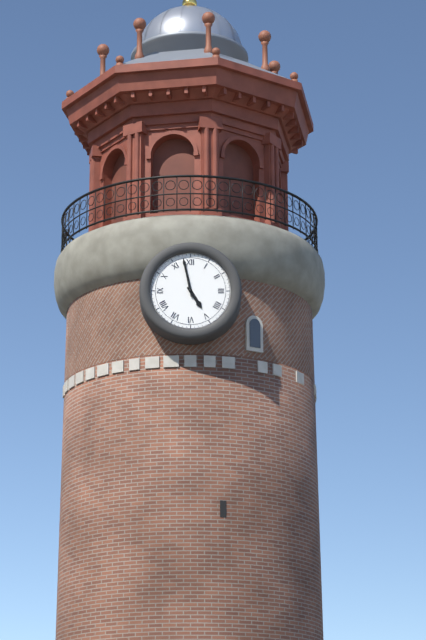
{"hour": 4, "minute": 58}
